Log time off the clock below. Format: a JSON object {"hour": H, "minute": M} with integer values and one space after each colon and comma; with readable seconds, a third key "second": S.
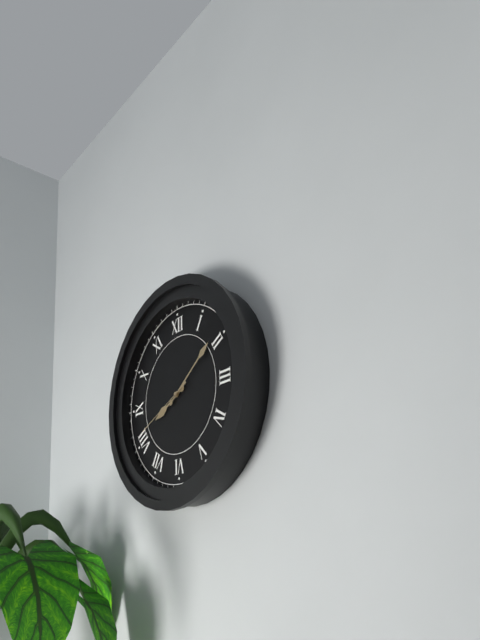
{"hour": 8, "minute": 9, "second": 41}
